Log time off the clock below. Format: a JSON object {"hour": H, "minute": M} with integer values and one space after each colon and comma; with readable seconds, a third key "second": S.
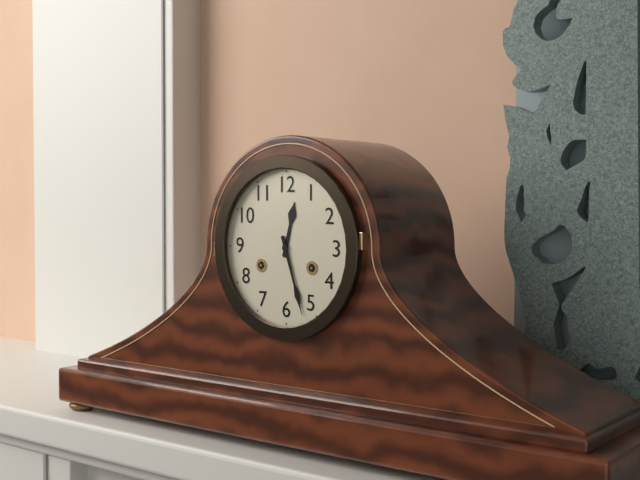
{"hour": 12, "minute": 27}
